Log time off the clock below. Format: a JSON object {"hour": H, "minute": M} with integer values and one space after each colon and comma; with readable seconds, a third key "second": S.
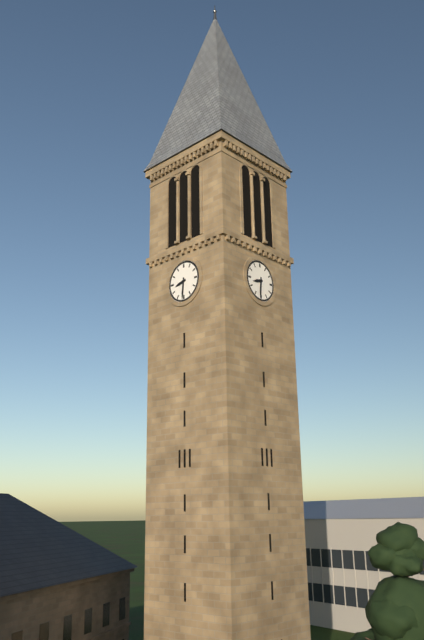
{"hour": 8, "minute": 31}
